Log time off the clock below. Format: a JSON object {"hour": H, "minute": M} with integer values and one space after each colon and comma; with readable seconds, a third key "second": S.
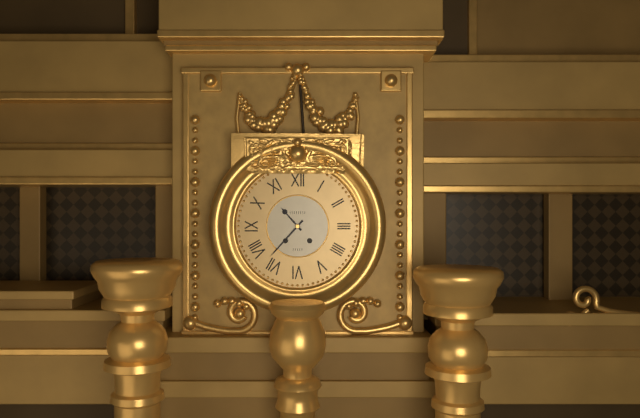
{"hour": 10, "minute": 37}
